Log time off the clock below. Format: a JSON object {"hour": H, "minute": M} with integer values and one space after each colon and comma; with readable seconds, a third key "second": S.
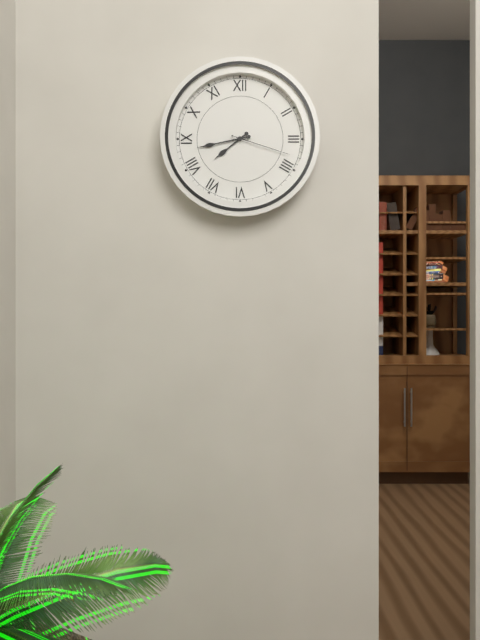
{"hour": 7, "minute": 43, "second": 18}
